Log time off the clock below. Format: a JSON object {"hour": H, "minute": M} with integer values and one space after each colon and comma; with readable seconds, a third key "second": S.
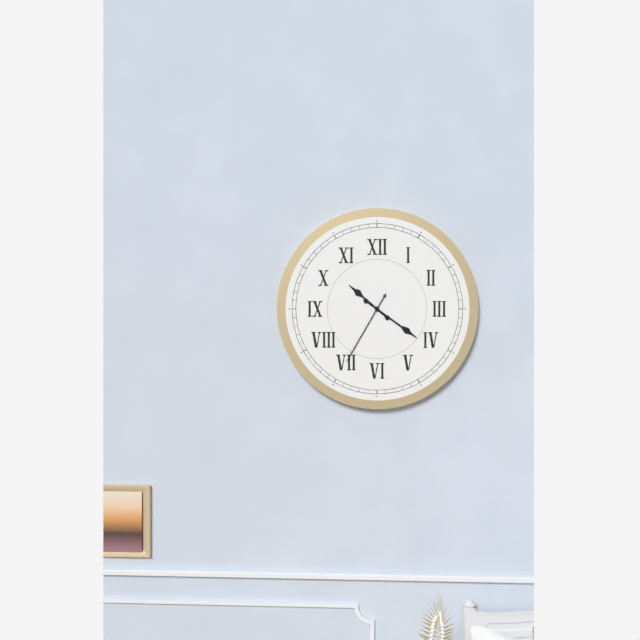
{"hour": 10, "minute": 21, "second": 35}
